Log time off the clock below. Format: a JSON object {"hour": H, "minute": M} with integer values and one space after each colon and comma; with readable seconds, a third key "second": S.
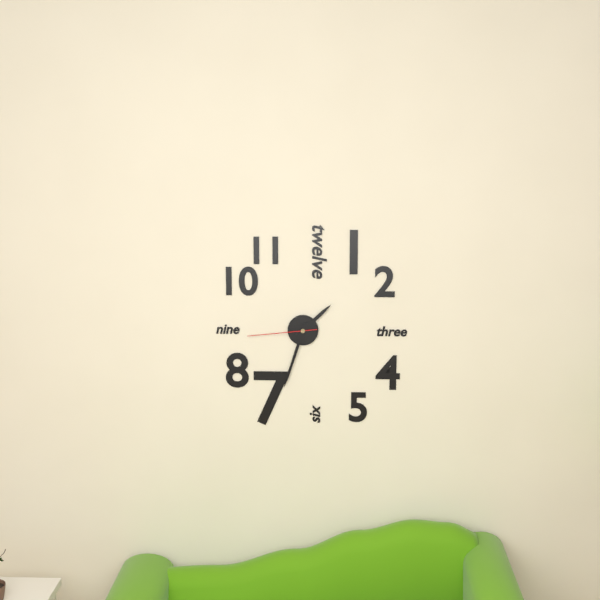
{"hour": 1, "minute": 33, "second": 44}
